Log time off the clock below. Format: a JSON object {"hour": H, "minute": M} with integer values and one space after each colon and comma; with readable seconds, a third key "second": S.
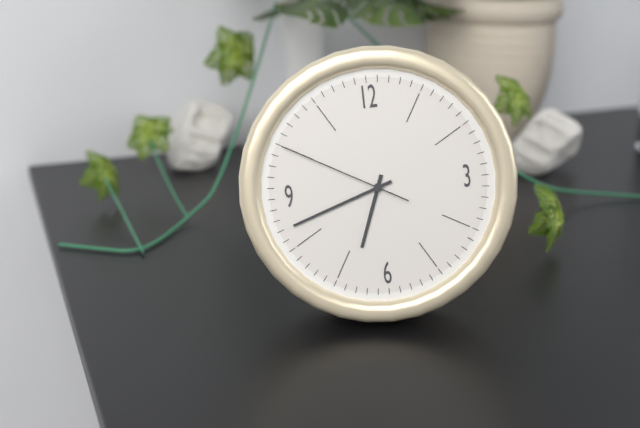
{"hour": 6, "minute": 42, "second": 50}
